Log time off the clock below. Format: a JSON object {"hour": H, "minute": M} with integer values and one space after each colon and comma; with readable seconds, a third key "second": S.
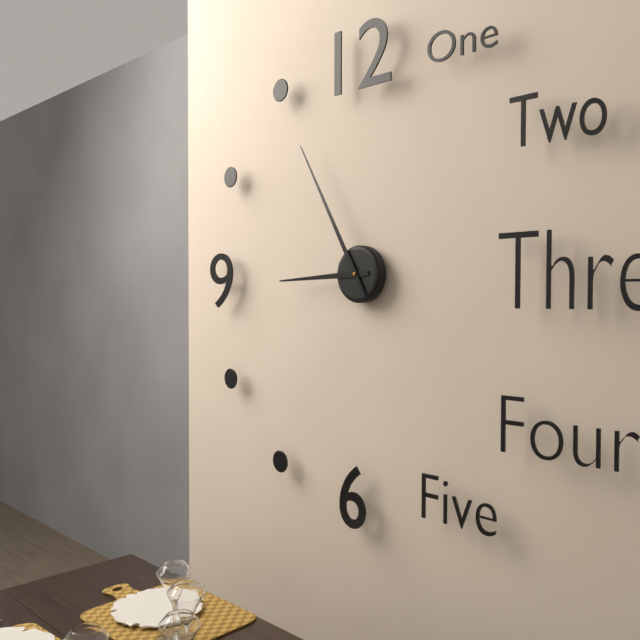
{"hour": 8, "minute": 55}
